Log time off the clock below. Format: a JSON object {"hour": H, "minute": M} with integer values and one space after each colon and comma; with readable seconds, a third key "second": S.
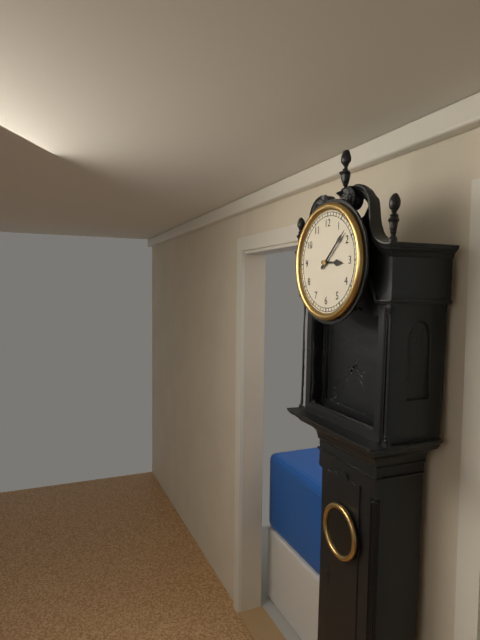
{"hour": 3, "minute": 8}
